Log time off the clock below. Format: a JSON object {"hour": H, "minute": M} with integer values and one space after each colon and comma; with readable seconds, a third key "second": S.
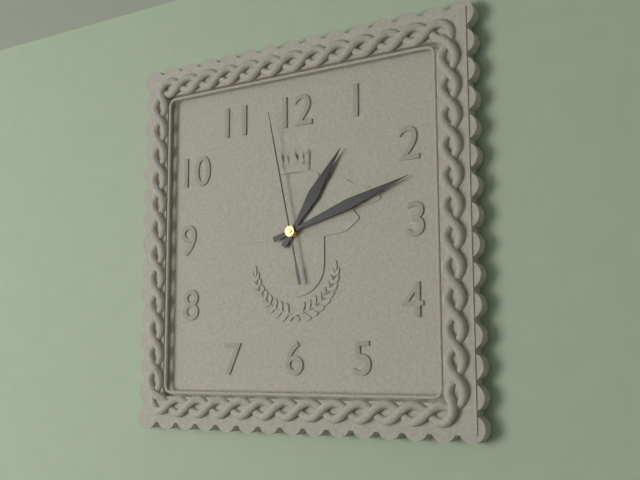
{"hour": 1, "minute": 12, "second": 58}
